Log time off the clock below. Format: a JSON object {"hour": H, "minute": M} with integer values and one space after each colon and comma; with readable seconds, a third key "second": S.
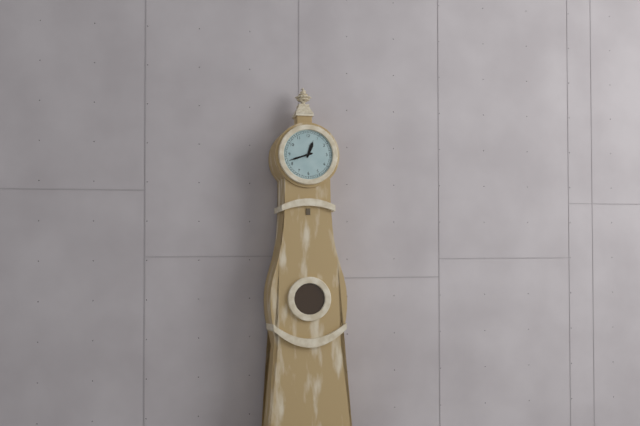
{"hour": 12, "minute": 42}
